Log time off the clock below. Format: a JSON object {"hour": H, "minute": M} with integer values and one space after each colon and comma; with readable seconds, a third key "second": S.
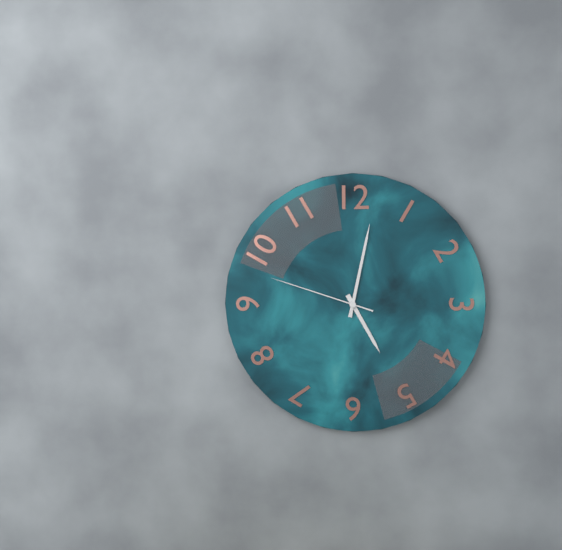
{"hour": 5, "minute": 2, "second": 48}
